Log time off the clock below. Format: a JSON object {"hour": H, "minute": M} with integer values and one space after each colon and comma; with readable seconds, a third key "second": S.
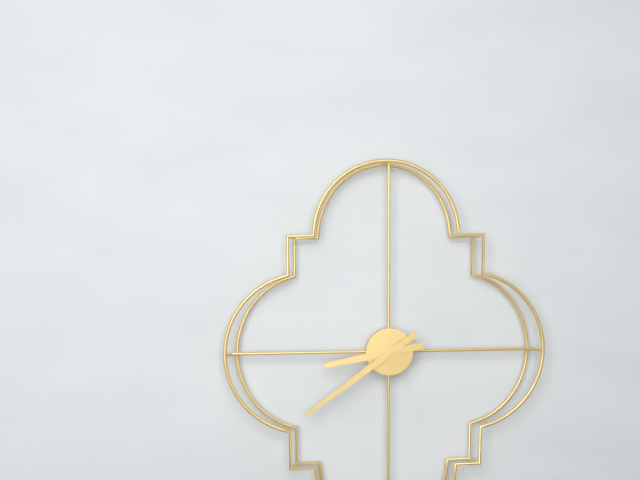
{"hour": 8, "minute": 39}
